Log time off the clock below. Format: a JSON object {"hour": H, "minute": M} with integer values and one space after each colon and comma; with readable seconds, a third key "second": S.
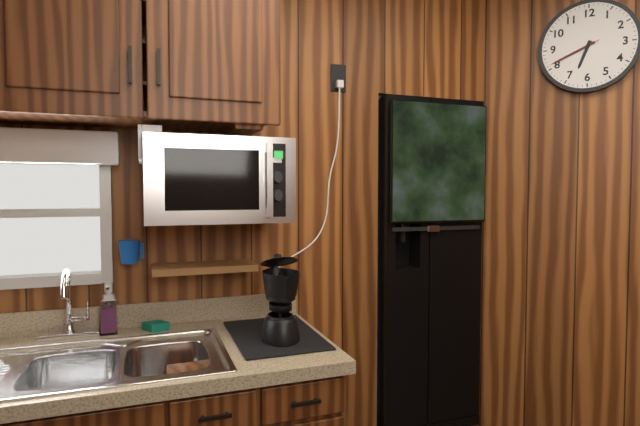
{"hour": 6, "minute": 41, "second": 41}
